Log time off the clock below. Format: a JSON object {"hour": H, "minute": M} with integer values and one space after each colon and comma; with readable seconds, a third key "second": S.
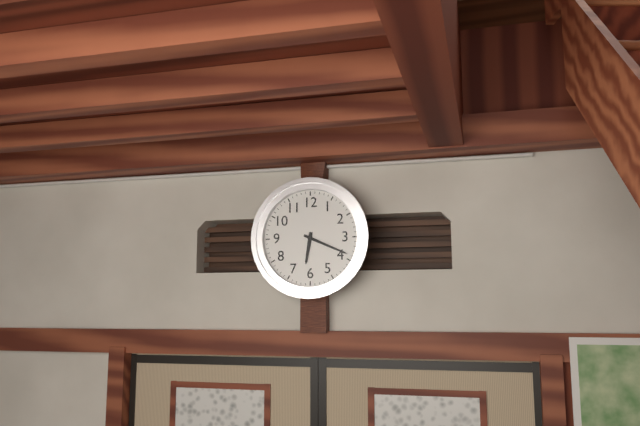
{"hour": 6, "minute": 19}
